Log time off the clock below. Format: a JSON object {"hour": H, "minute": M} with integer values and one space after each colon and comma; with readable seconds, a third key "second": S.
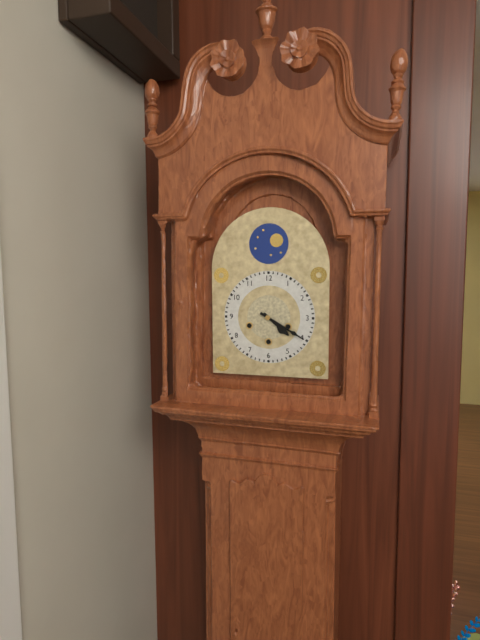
{"hour": 4, "minute": 20}
